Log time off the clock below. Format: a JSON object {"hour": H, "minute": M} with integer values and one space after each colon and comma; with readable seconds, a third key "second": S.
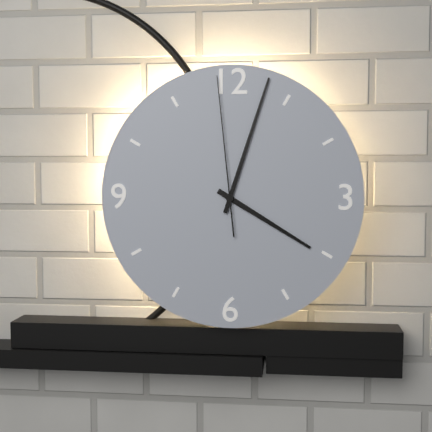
{"hour": 4, "minute": 3, "second": 59}
